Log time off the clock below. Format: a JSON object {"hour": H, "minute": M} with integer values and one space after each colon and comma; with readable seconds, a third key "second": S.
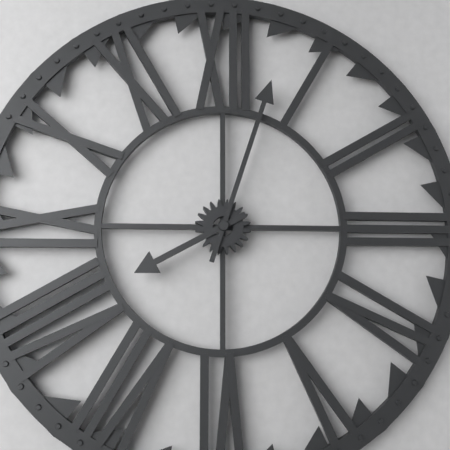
{"hour": 8, "minute": 3}
